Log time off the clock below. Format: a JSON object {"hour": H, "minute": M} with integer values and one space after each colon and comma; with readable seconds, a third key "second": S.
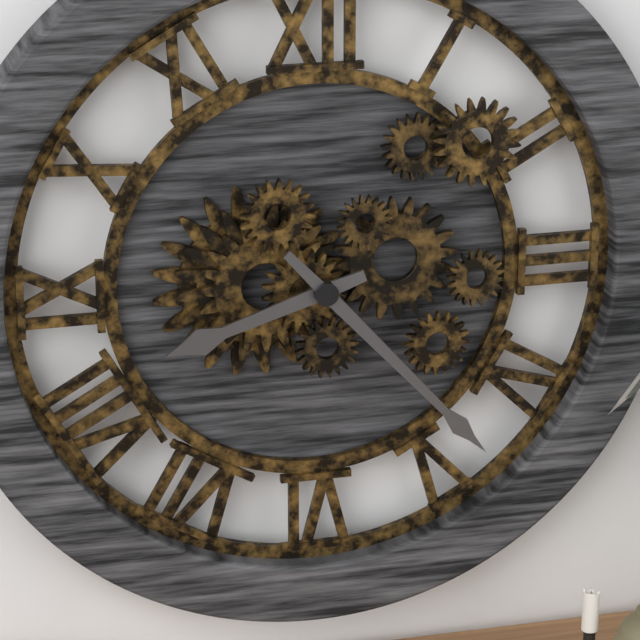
{"hour": 8, "minute": 23}
